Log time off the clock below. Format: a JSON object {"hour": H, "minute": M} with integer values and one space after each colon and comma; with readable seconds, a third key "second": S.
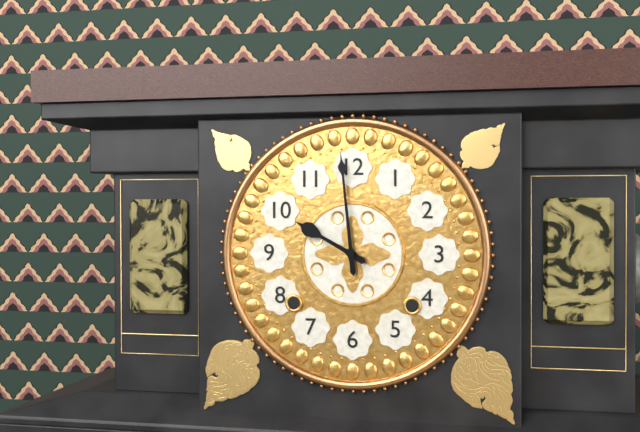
{"hour": 9, "minute": 59}
